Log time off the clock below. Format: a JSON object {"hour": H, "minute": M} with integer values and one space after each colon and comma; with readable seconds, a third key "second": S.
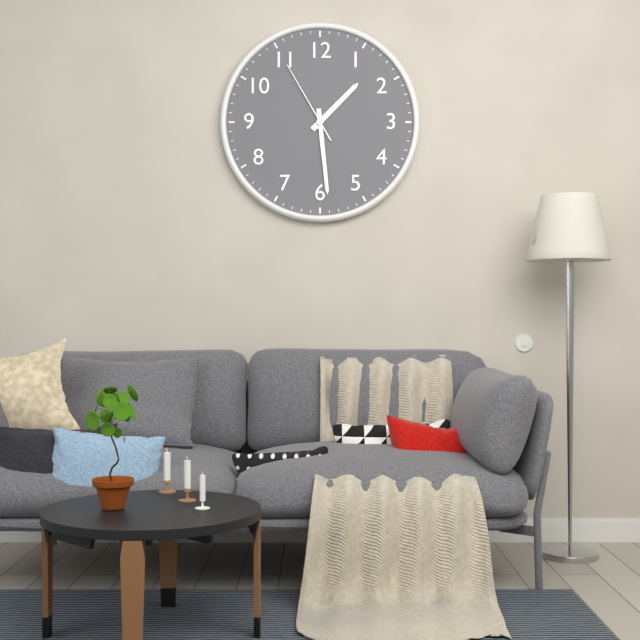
{"hour": 1, "minute": 29, "second": 55}
